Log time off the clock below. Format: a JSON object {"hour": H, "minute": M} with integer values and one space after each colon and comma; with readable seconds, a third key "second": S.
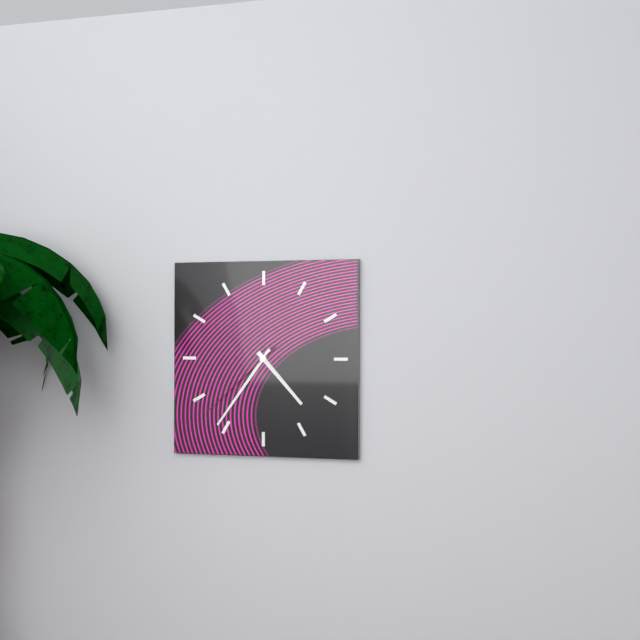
{"hour": 4, "minute": 36, "second": 38}
